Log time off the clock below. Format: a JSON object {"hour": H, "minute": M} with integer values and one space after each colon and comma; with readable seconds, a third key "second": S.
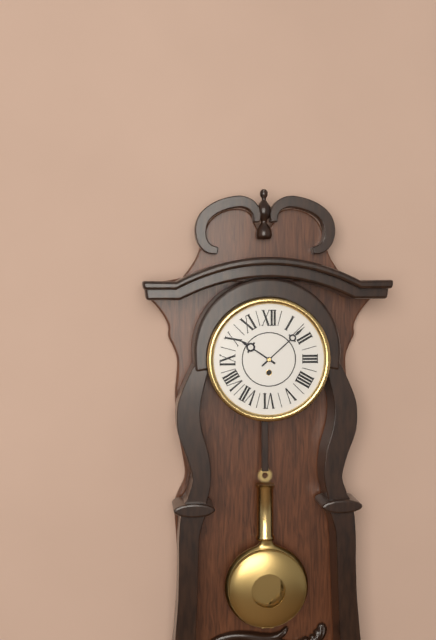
{"hour": 10, "minute": 8}
